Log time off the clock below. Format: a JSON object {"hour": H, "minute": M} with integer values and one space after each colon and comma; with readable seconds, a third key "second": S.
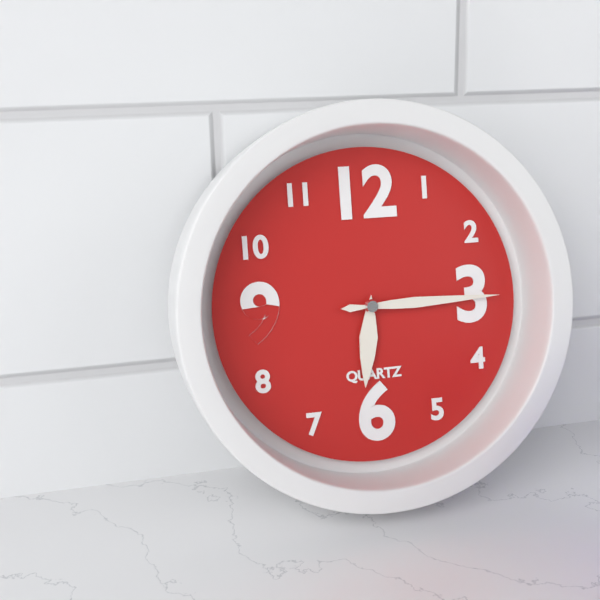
{"hour": 6, "minute": 15}
